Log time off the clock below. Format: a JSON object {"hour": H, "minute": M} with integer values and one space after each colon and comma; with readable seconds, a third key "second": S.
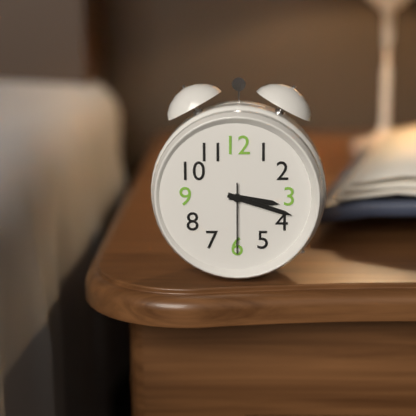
{"hour": 3, "minute": 18, "second": 30}
